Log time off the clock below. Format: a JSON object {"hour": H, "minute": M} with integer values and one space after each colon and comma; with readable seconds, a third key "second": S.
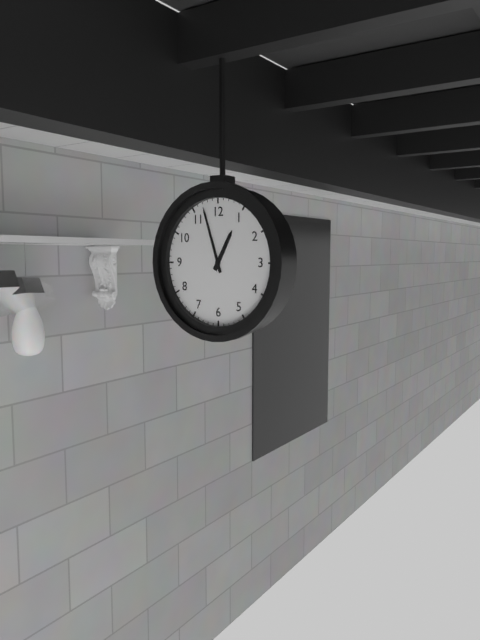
{"hour": 12, "minute": 57}
